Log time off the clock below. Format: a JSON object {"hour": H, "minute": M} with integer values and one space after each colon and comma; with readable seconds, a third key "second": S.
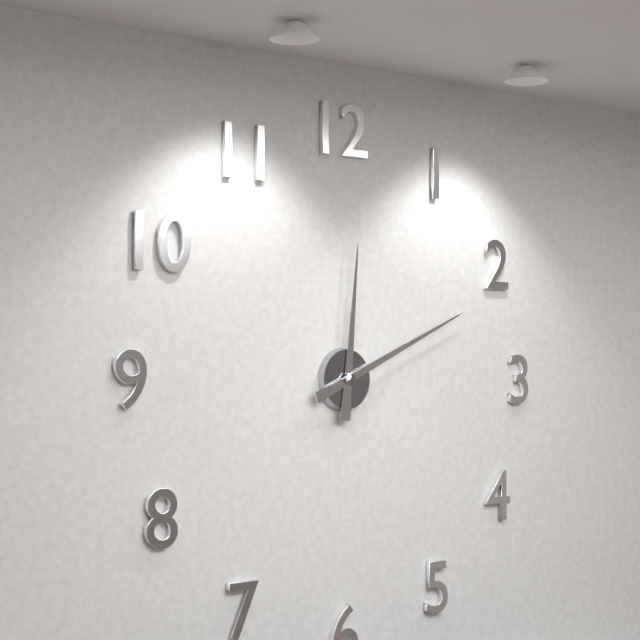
{"hour": 12, "minute": 11}
